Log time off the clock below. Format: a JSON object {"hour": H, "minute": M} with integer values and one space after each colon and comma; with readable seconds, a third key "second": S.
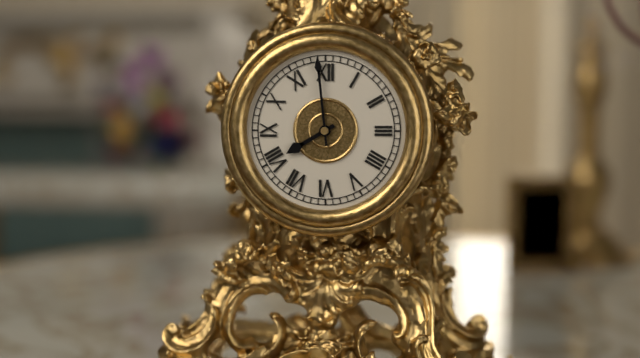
{"hour": 7, "minute": 59}
